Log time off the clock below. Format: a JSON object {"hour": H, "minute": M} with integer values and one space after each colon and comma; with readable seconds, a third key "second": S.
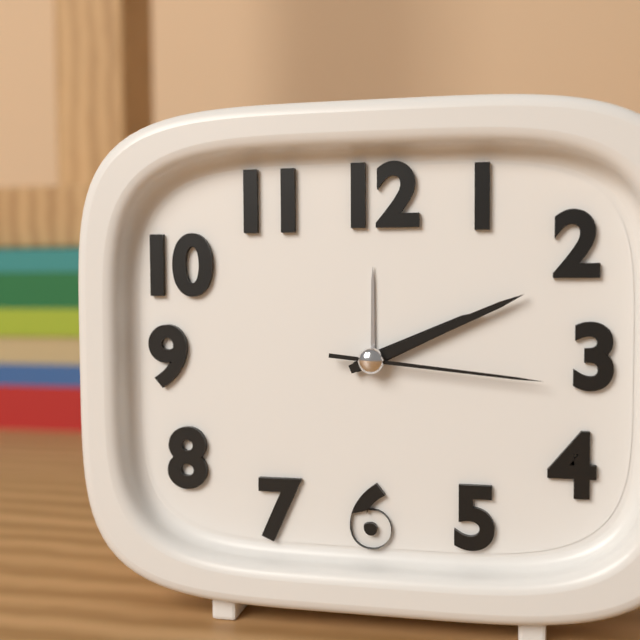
{"hour": 2, "minute": 11, "second": 16}
